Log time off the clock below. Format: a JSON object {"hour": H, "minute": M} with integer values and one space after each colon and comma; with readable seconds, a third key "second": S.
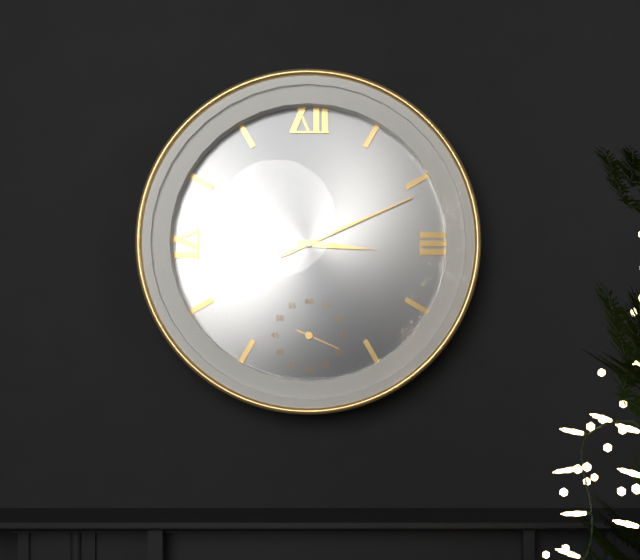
{"hour": 3, "minute": 11}
